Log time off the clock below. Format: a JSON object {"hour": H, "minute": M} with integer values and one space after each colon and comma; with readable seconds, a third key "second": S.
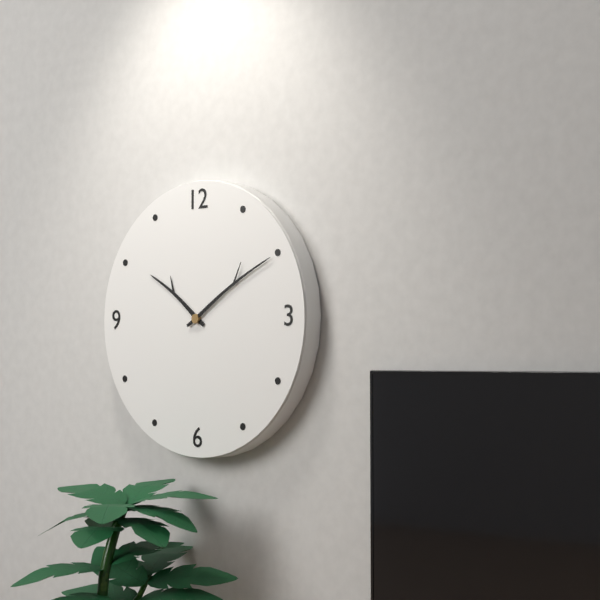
{"hour": 10, "minute": 10}
